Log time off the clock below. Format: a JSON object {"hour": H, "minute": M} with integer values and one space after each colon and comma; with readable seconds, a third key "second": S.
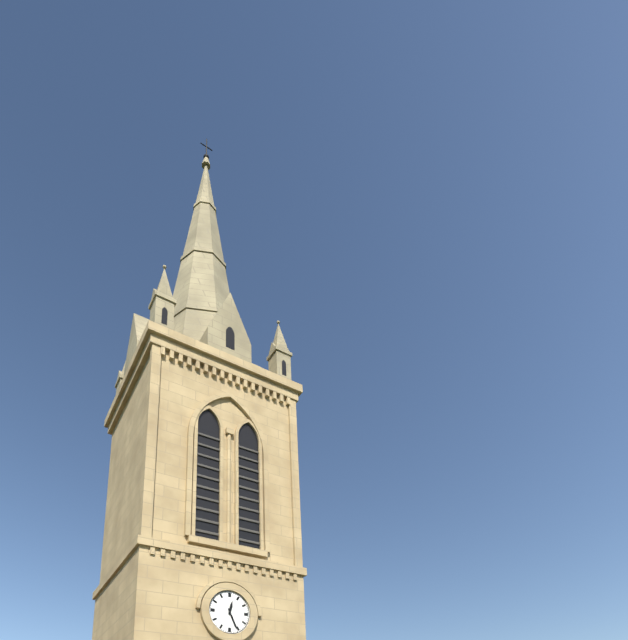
{"hour": 12, "minute": 26}
